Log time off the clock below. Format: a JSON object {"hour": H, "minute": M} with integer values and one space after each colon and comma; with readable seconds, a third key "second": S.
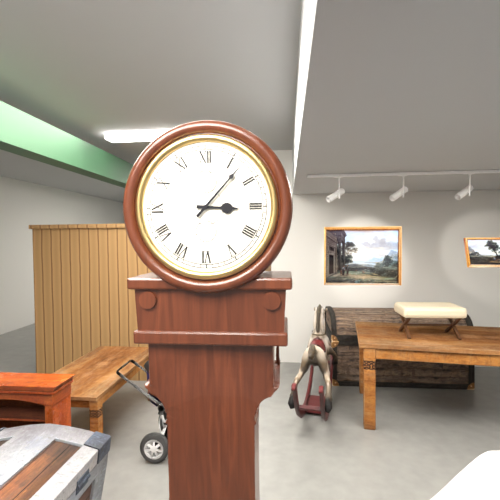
{"hour": 3, "minute": 7}
